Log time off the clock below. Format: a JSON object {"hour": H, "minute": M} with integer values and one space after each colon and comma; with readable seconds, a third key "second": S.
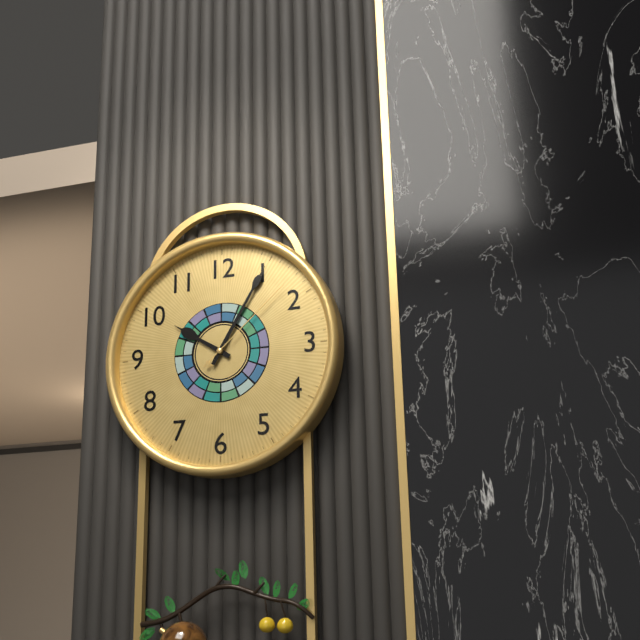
{"hour": 10, "minute": 5, "second": 8}
